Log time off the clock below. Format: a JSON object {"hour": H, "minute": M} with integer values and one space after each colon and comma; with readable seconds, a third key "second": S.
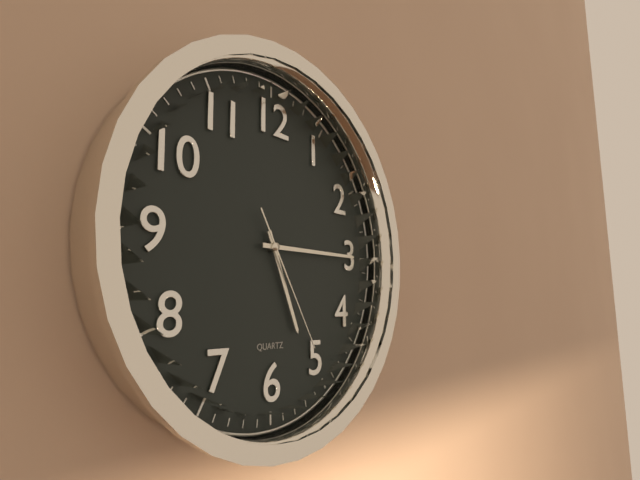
{"hour": 5, "minute": 15, "second": 25}
